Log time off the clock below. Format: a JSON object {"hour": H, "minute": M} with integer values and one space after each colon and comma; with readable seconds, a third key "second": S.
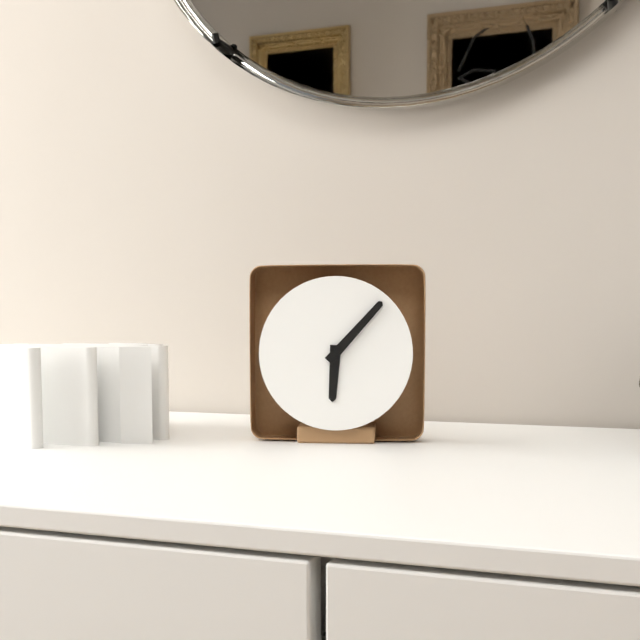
{"hour": 6, "minute": 7}
